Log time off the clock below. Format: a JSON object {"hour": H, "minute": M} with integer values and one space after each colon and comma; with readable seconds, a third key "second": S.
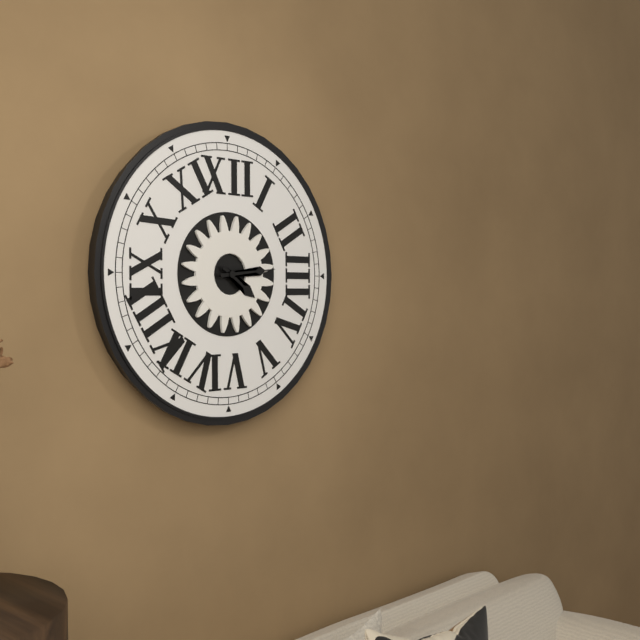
{"hour": 4, "minute": 14}
